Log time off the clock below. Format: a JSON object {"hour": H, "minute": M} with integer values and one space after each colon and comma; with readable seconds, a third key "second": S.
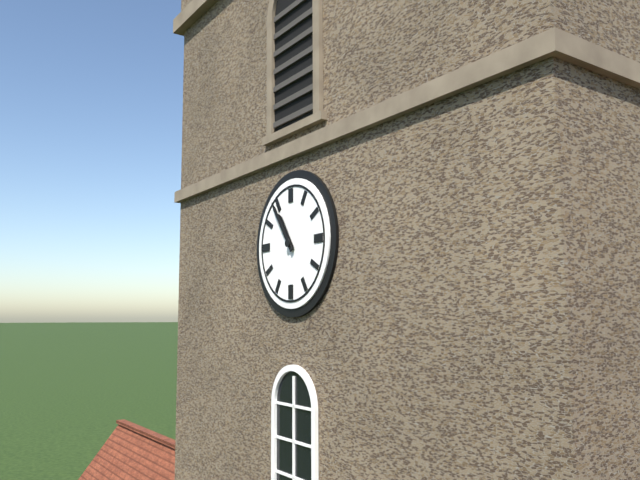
{"hour": 10, "minute": 54}
